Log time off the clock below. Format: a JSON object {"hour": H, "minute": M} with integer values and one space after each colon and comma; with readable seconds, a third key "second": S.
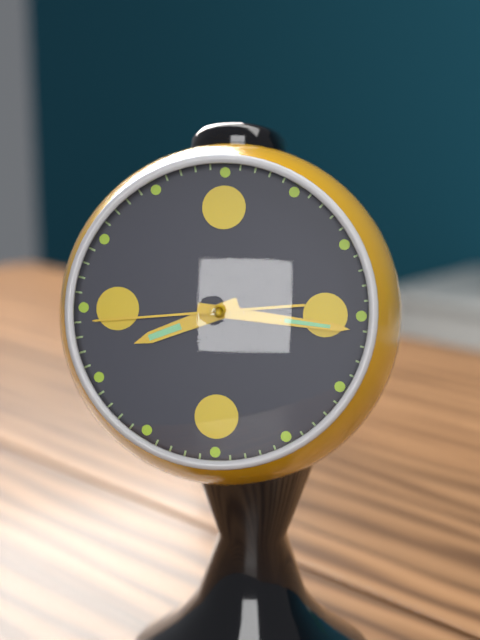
{"hour": 8, "minute": 16, "second": 44}
